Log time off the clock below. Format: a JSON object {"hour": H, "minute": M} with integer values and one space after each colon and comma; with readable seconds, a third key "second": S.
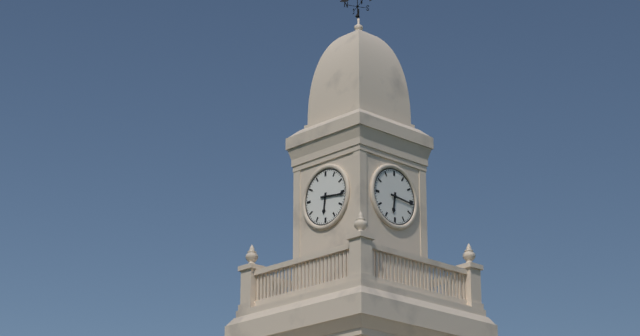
{"hour": 6, "minute": 16}
